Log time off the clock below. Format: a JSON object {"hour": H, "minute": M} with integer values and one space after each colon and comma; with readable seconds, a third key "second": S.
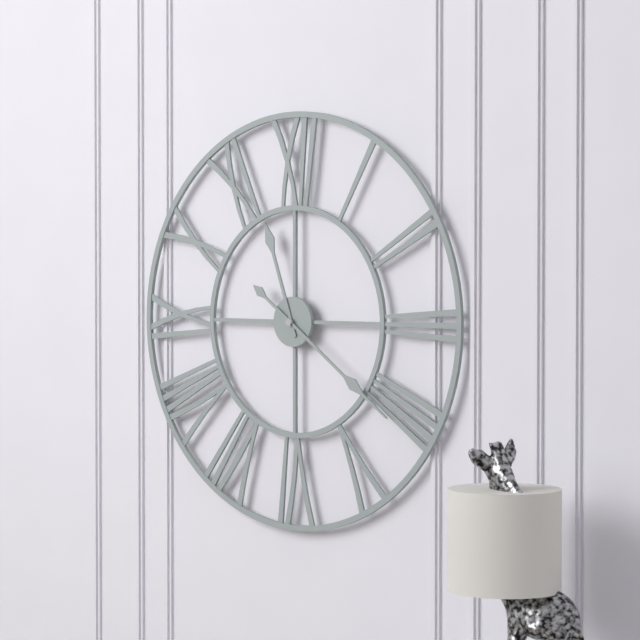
{"hour": 11, "minute": 21}
